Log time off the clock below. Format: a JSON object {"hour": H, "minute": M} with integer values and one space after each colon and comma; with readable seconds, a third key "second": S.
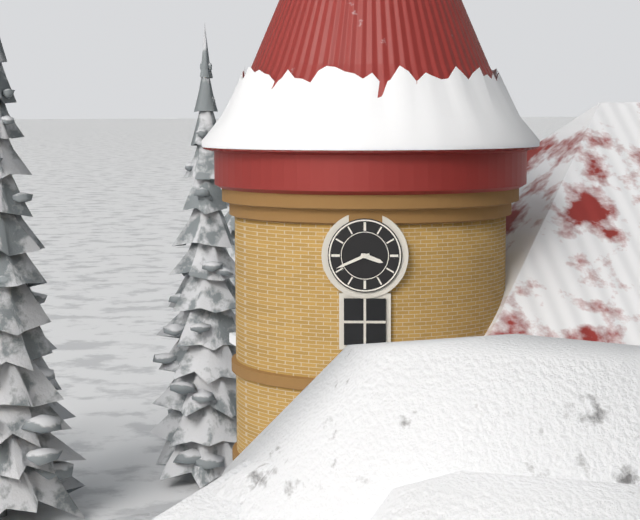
{"hour": 3, "minute": 41}
